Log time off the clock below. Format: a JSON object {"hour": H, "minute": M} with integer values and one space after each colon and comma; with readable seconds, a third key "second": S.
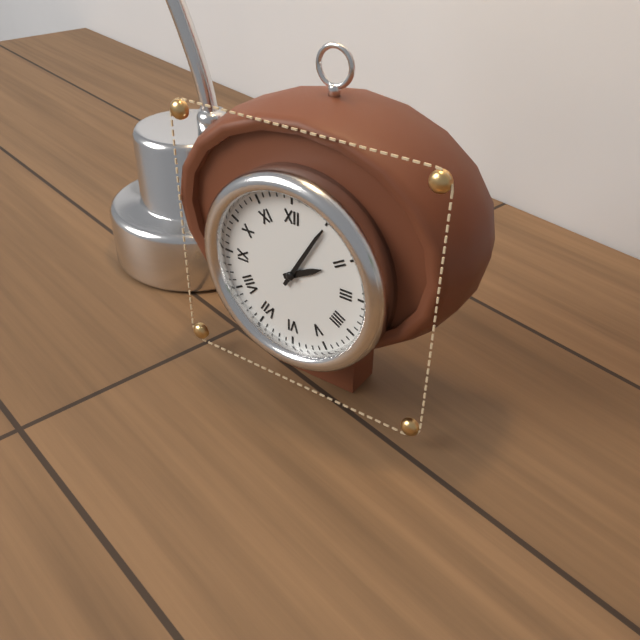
{"hour": 2, "minute": 5}
